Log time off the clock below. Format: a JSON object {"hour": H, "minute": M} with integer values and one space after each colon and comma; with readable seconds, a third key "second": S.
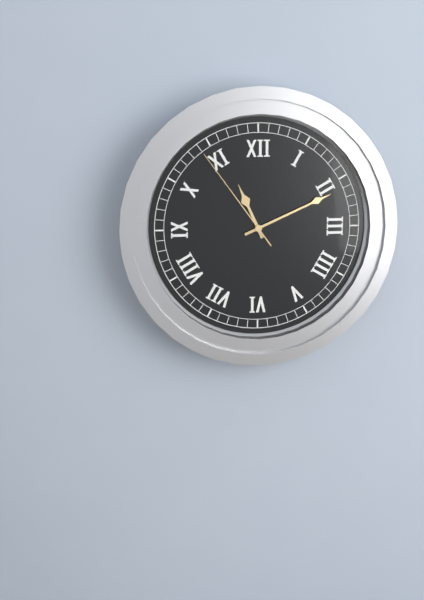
{"hour": 11, "minute": 11, "second": 54}
